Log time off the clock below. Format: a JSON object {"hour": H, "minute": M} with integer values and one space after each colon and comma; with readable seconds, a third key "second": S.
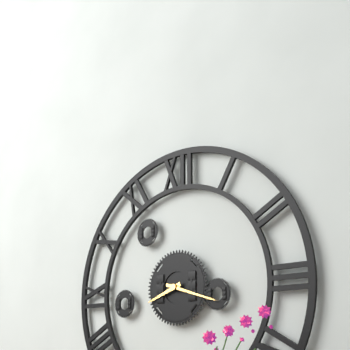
{"hour": 8, "minute": 18}
